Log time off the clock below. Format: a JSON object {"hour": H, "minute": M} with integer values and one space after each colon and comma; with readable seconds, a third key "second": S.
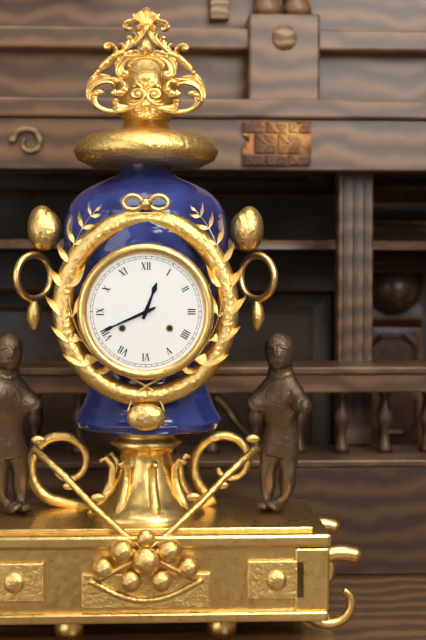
{"hour": 12, "minute": 41}
